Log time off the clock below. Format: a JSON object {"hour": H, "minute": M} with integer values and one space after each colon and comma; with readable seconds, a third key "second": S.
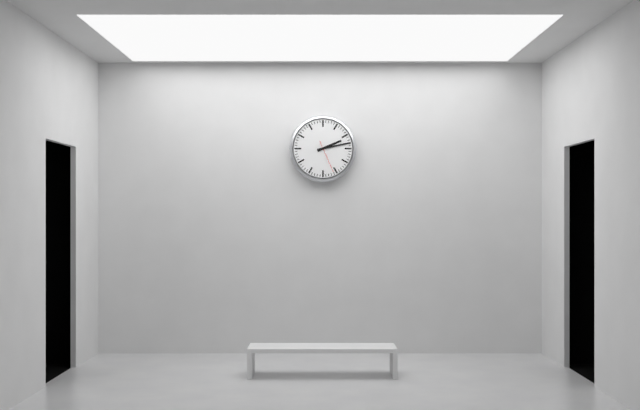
{"hour": 2, "minute": 13}
